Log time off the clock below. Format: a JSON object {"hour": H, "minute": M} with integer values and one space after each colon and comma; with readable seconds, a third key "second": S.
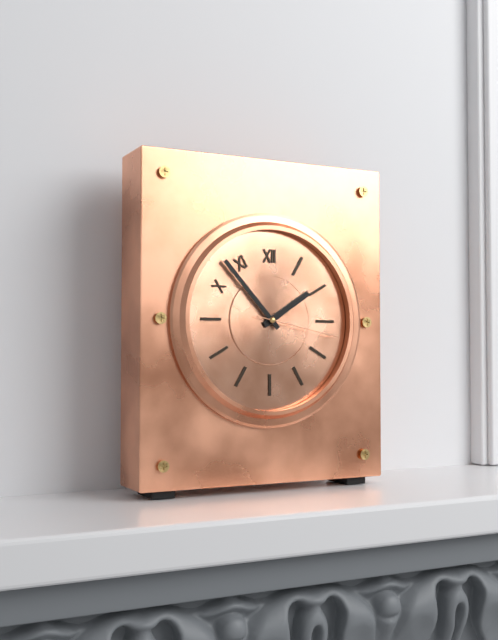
{"hour": 1, "minute": 53, "second": 17}
